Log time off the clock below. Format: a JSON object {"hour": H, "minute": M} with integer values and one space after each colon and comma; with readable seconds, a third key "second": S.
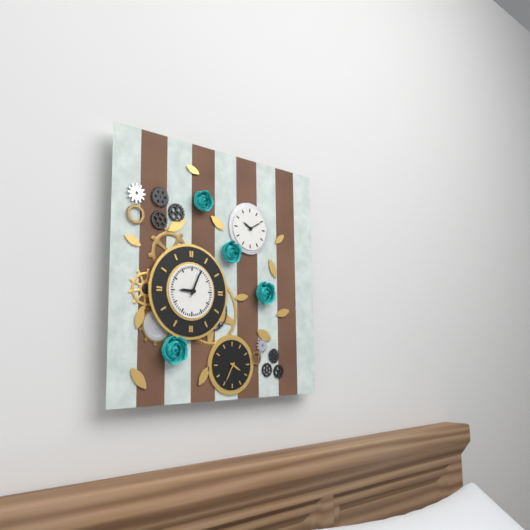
{"hour": 9, "minute": 4}
